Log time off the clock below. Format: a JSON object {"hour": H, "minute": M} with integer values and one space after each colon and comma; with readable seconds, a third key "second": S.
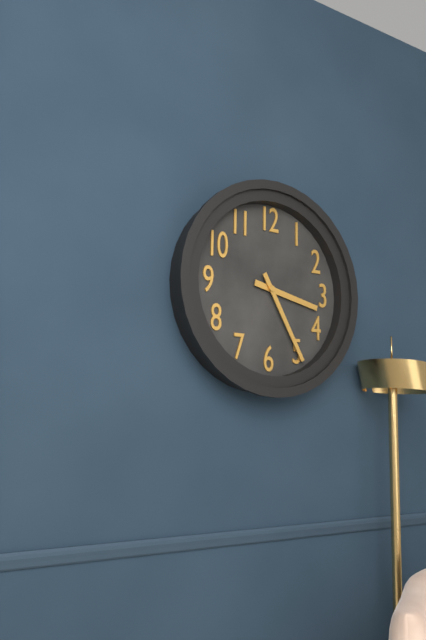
{"hour": 3, "minute": 25}
